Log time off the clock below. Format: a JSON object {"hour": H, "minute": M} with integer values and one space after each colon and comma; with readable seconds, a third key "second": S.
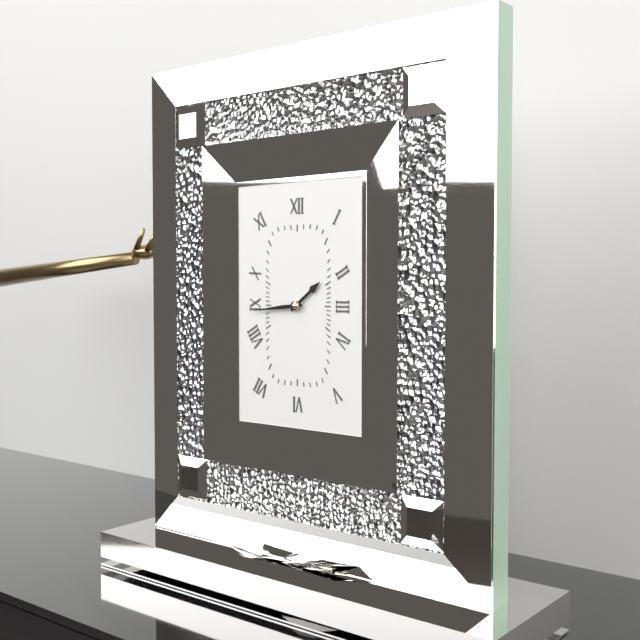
{"hour": 1, "minute": 44}
